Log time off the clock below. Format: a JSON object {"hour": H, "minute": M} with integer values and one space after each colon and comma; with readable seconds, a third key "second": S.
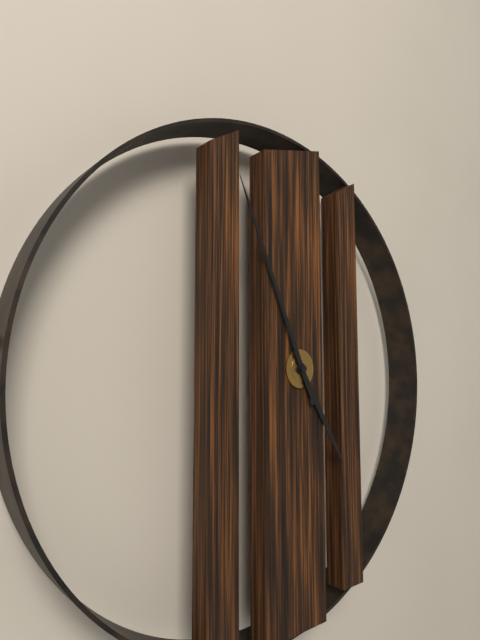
{"hour": 4, "minute": 56}
